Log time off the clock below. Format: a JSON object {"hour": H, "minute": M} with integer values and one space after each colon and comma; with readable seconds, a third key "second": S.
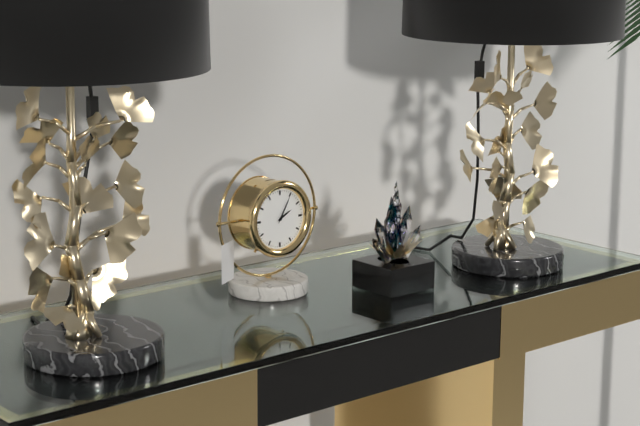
{"hour": 2, "minute": 5}
